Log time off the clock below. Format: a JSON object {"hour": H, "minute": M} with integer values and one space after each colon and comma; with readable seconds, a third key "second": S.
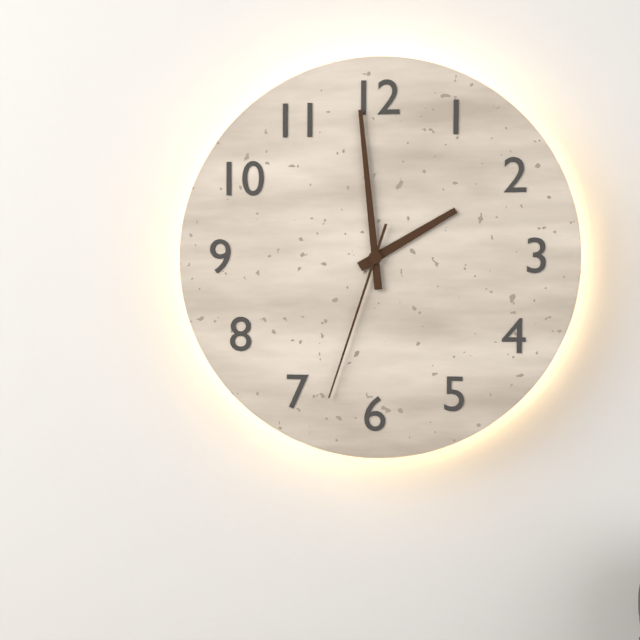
{"hour": 1, "minute": 59, "second": 33}
